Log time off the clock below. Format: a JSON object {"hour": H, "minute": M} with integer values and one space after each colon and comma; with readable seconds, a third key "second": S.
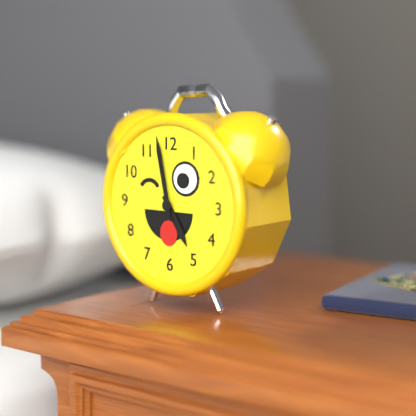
{"hour": 4, "minute": 58}
